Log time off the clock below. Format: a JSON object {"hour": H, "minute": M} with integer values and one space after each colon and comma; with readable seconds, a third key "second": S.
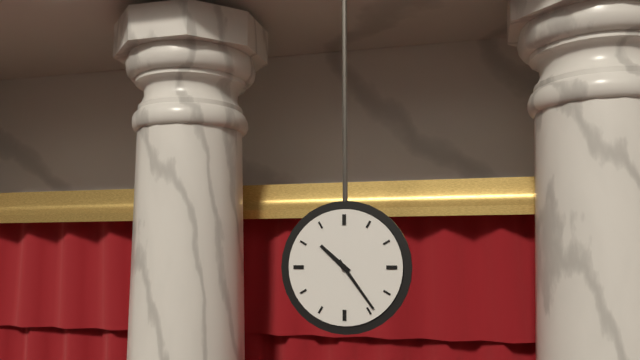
{"hour": 10, "minute": 24}
